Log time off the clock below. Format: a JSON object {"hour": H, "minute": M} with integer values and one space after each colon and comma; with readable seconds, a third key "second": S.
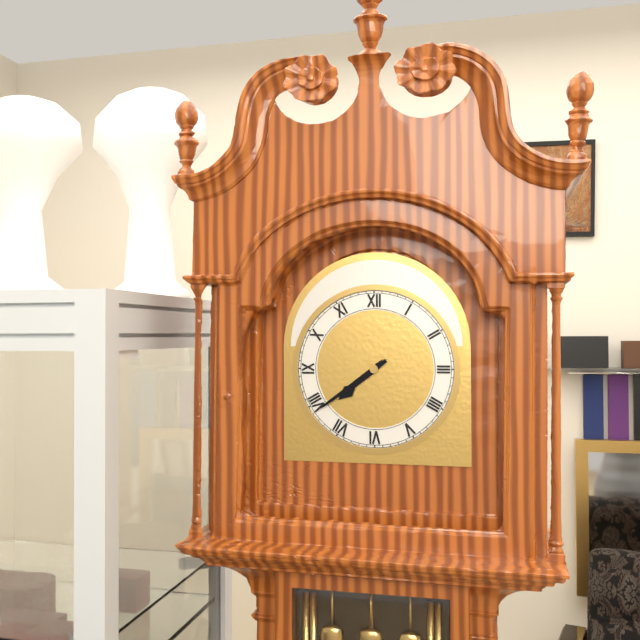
{"hour": 7, "minute": 39}
